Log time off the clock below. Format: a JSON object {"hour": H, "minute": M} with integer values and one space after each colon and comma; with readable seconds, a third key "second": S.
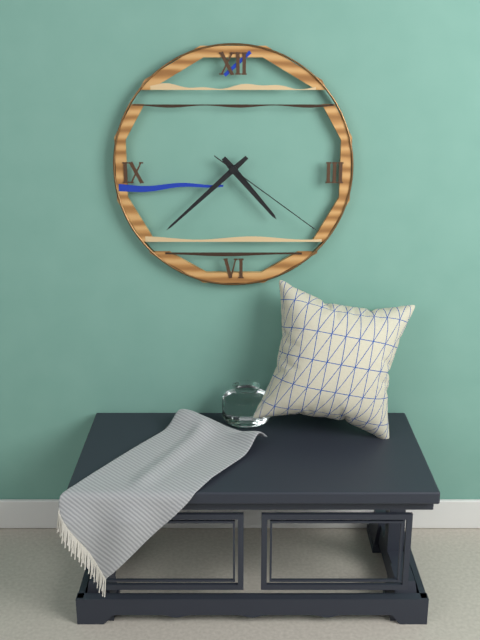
{"hour": 4, "minute": 38, "second": 21}
